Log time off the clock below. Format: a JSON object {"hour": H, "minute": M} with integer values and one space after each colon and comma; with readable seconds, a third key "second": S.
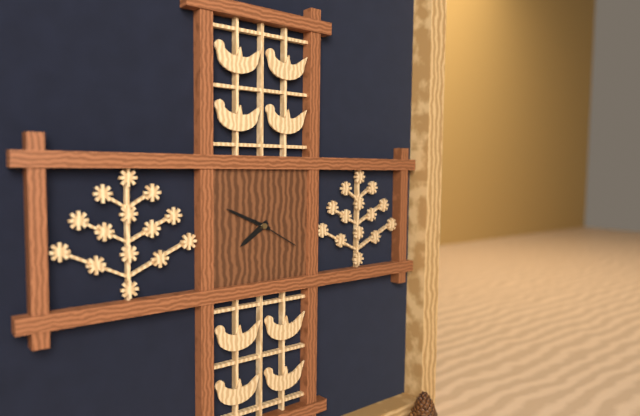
{"hour": 7, "minute": 49, "second": 20}
